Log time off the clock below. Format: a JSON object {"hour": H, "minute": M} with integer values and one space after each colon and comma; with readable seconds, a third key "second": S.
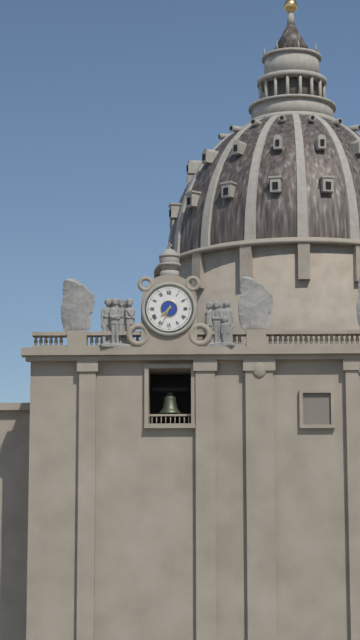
{"hour": 7, "minute": 34}
